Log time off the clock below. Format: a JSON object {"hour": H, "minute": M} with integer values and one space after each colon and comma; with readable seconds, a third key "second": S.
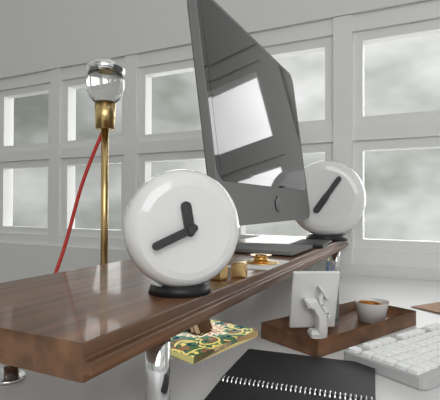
{"hour": 11, "minute": 41}
